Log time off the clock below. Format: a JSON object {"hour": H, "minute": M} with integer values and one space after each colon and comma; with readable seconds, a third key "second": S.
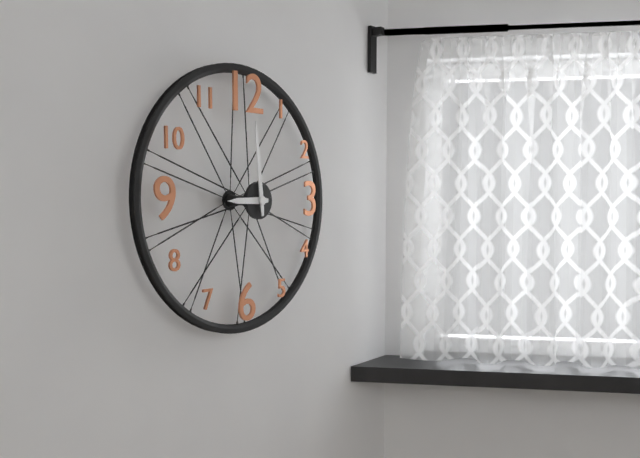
{"hour": 8, "minute": 59}
